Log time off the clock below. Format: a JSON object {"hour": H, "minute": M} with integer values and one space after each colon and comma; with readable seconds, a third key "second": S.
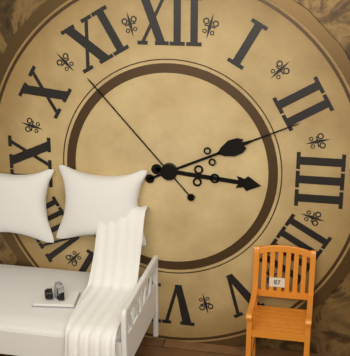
{"hour": 3, "minute": 11, "second": 53}
